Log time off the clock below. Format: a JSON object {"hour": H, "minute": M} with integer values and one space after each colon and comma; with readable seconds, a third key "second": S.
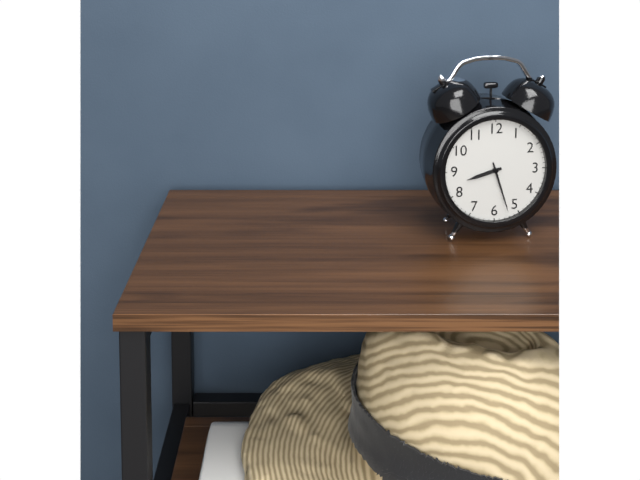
{"hour": 8, "minute": 27}
